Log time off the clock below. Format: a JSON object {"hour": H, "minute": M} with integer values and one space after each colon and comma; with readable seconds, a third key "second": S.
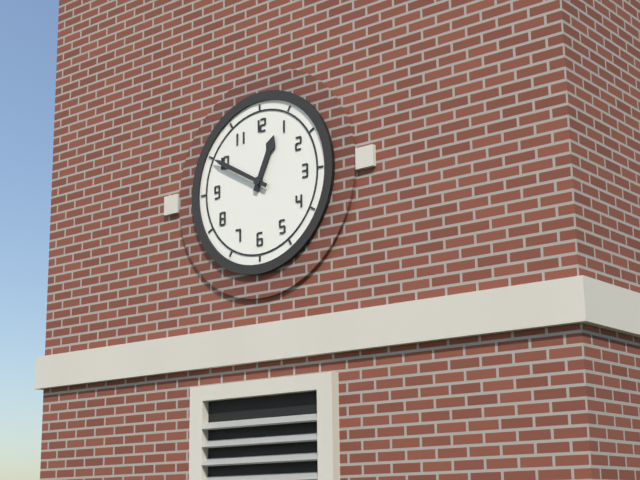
{"hour": 12, "minute": 50}
